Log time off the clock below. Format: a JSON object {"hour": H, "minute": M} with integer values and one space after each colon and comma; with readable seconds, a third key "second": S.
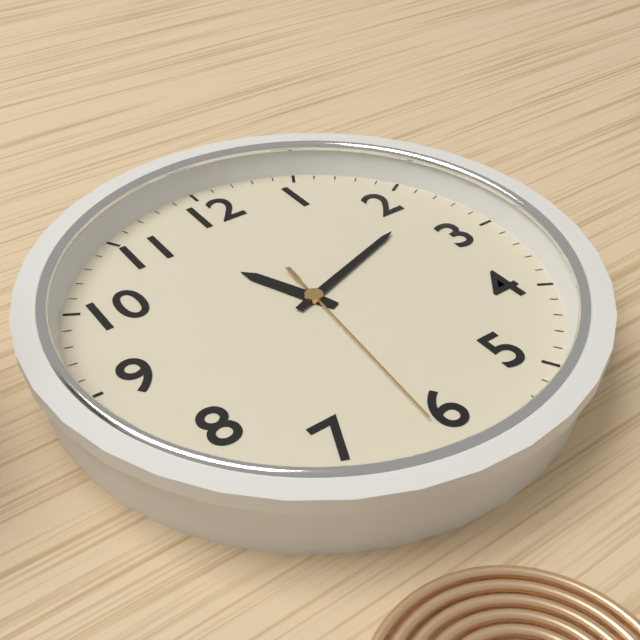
{"hour": 11, "minute": 12, "second": 31}
